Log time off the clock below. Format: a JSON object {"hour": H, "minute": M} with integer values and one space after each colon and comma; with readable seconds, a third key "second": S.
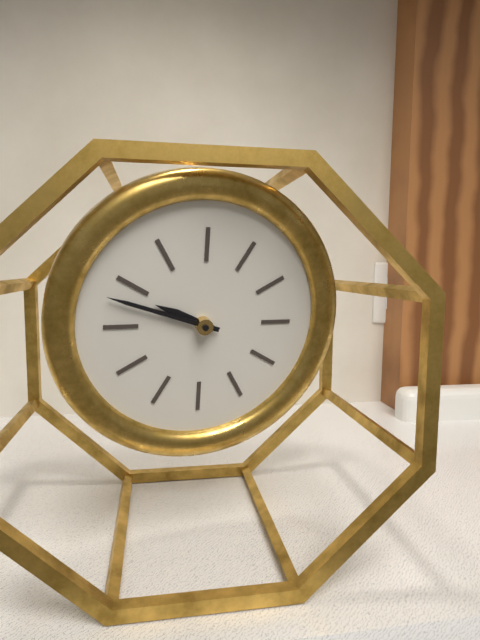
{"hour": 9, "minute": 48}
